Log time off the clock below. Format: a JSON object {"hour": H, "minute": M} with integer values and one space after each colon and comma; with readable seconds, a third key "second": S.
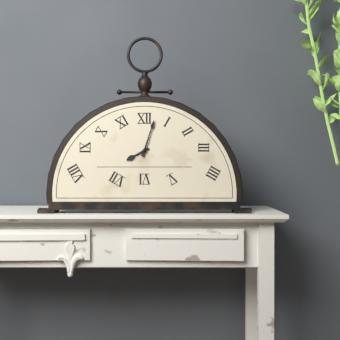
{"hour": 8, "minute": 3}
